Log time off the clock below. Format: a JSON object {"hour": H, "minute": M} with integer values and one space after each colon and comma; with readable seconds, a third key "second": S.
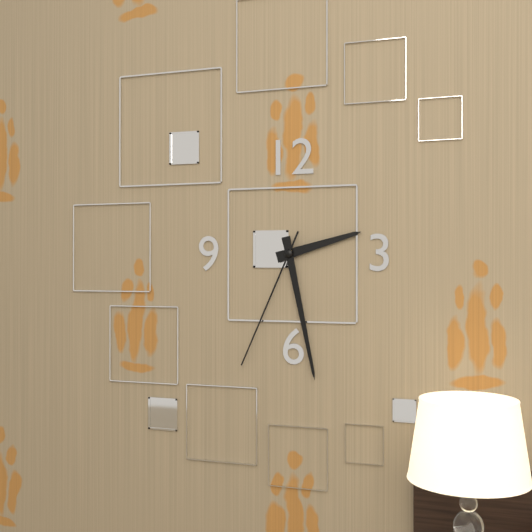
{"hour": 2, "minute": 28, "second": 34}
